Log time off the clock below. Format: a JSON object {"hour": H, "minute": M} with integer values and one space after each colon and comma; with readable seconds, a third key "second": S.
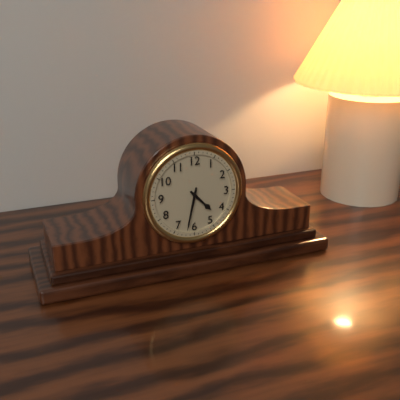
{"hour": 4, "minute": 32}
